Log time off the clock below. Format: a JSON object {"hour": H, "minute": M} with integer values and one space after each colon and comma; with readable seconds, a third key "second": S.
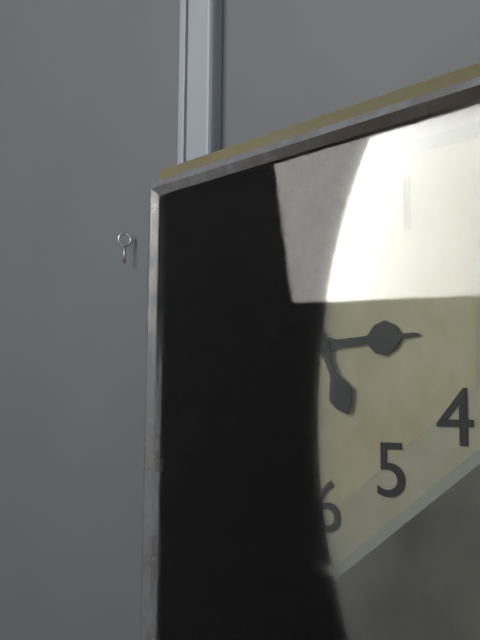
{"hour": 2, "minute": 56}
